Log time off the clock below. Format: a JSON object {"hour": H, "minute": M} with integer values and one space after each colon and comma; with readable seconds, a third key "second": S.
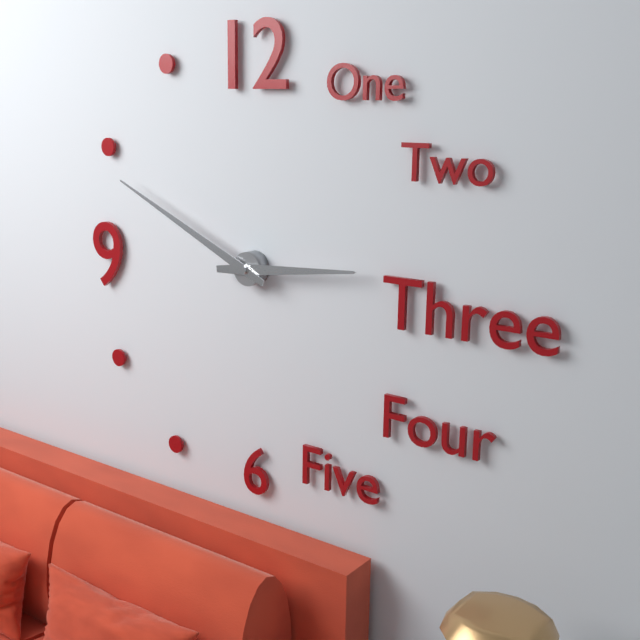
{"hour": 2, "minute": 49}
